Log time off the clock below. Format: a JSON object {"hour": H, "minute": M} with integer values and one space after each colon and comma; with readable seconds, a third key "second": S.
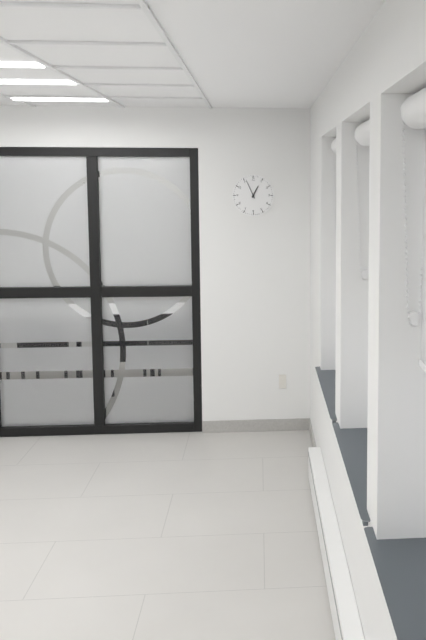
{"hour": 12, "minute": 56}
